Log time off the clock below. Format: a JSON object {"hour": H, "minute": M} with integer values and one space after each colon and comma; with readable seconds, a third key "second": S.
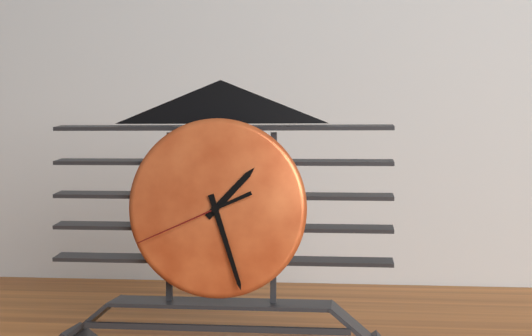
{"hour": 1, "minute": 27, "second": 41}
